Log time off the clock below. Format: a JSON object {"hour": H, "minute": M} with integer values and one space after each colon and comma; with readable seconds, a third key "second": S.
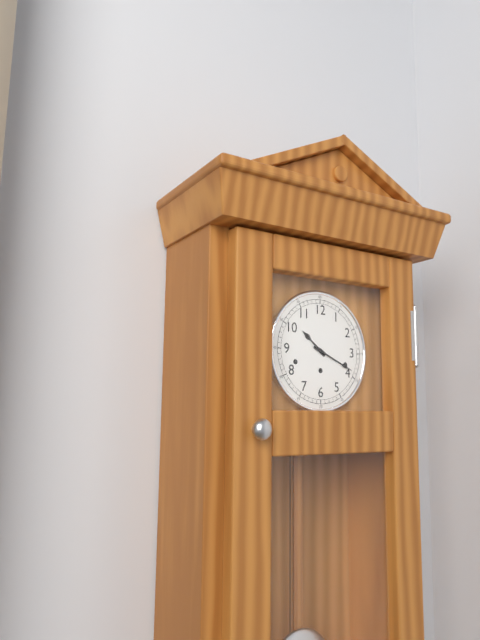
{"hour": 10, "minute": 19}
